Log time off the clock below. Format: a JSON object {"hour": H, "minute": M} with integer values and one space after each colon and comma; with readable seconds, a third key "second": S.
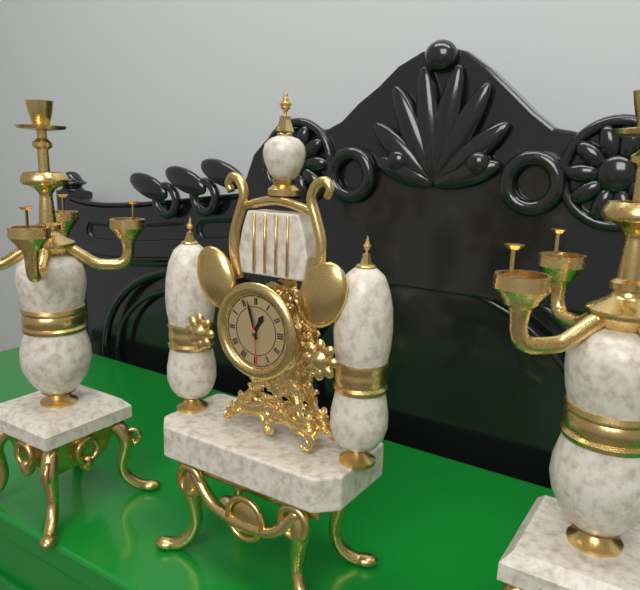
{"hour": 12, "minute": 57}
